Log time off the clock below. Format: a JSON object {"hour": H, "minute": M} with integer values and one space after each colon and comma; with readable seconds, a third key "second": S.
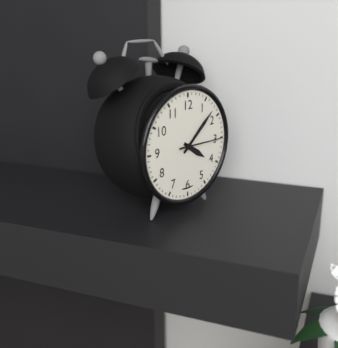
{"hour": 4, "minute": 8}
